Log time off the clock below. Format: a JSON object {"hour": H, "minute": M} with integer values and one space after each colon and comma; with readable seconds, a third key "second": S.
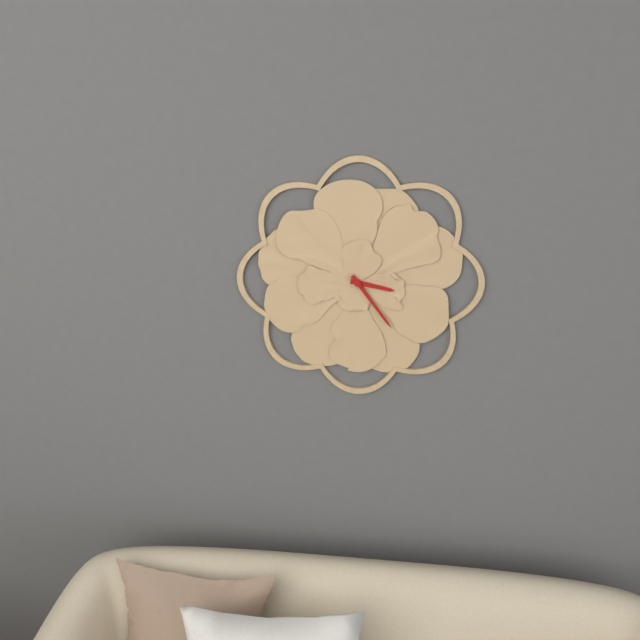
{"hour": 3, "minute": 24}
